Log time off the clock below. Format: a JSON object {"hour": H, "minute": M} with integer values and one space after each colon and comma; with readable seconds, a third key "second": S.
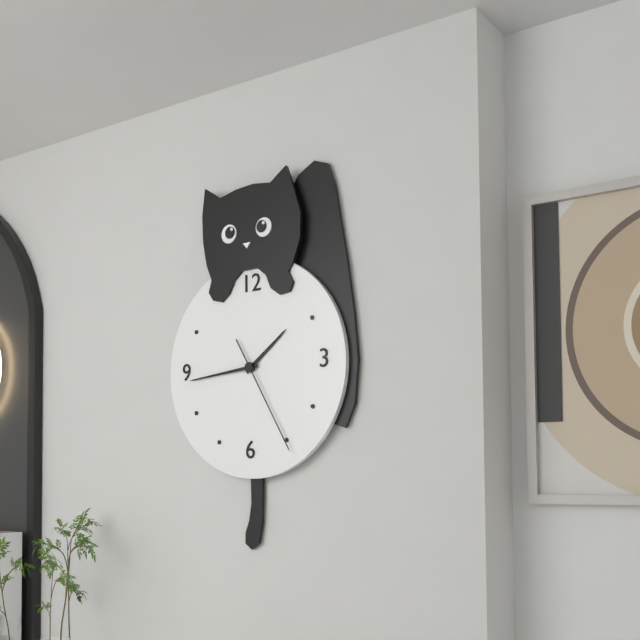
{"hour": 1, "minute": 44, "second": 25}
